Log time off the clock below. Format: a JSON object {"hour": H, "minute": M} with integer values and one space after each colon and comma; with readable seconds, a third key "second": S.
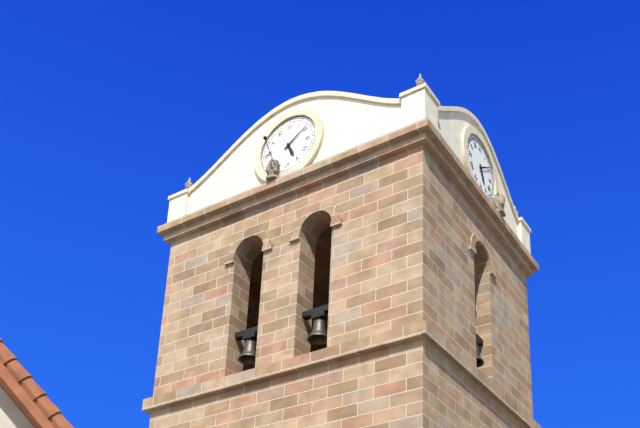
{"hour": 5, "minute": 9}
